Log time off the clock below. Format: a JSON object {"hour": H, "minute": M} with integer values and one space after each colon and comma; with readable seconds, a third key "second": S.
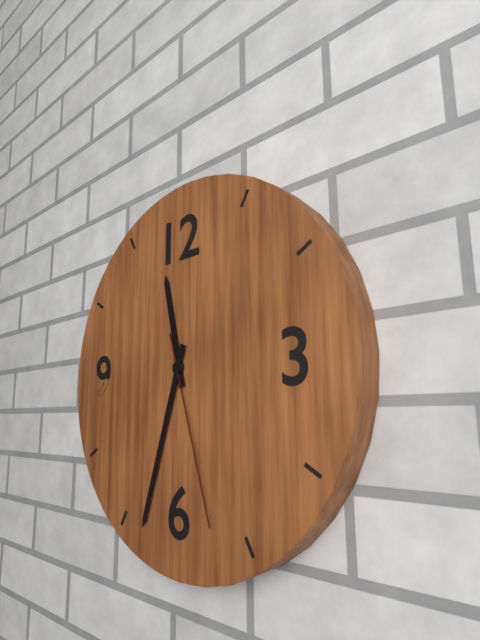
{"hour": 11, "minute": 33, "second": 27}
